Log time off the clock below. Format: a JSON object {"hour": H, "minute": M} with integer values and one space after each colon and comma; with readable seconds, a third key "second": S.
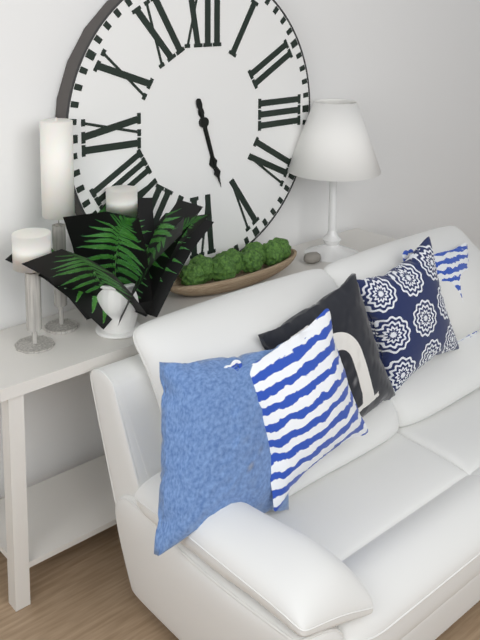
{"hour": 5, "minute": 27}
